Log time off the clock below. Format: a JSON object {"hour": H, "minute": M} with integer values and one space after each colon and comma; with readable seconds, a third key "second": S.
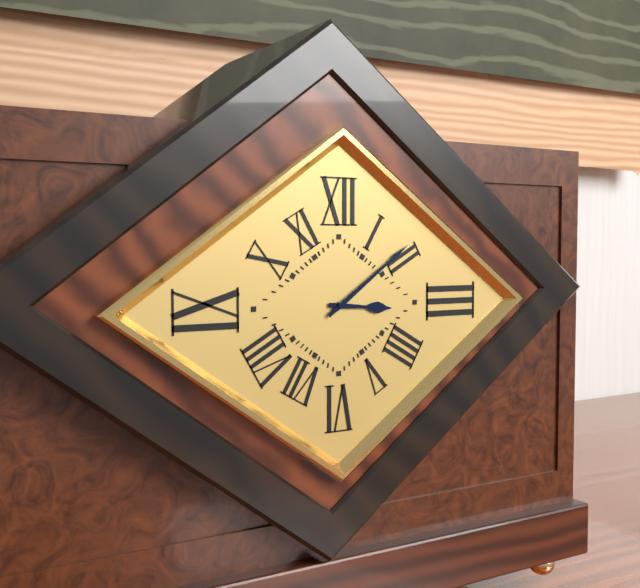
{"hour": 3, "minute": 9}
